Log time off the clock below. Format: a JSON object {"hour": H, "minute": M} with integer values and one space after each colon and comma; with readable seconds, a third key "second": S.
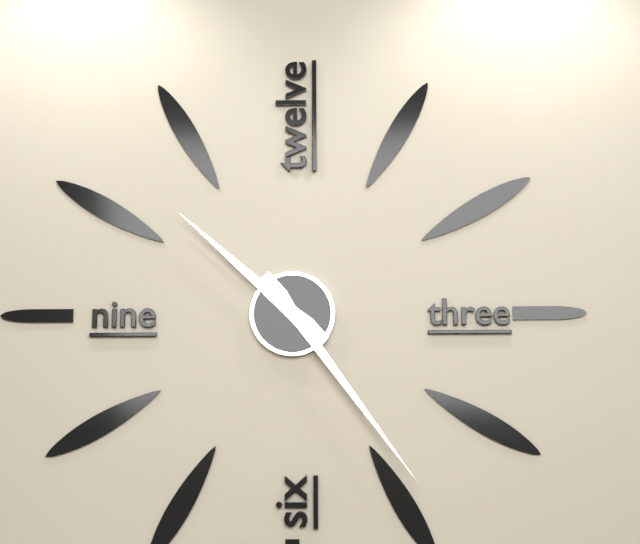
{"hour": 10, "minute": 24}
